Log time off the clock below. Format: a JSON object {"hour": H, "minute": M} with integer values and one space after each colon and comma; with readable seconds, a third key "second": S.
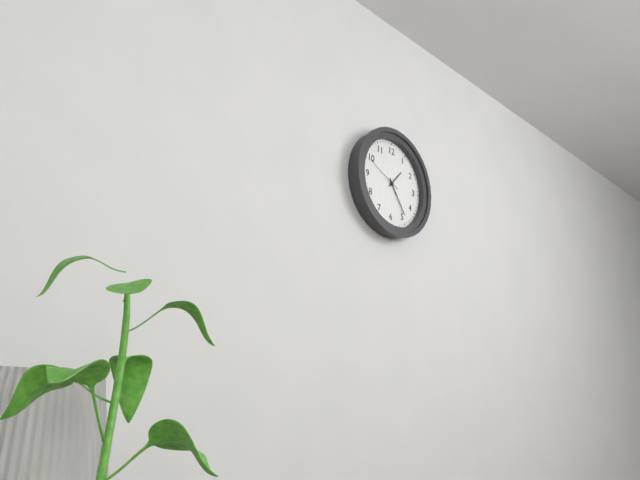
{"hour": 1, "minute": 24}
